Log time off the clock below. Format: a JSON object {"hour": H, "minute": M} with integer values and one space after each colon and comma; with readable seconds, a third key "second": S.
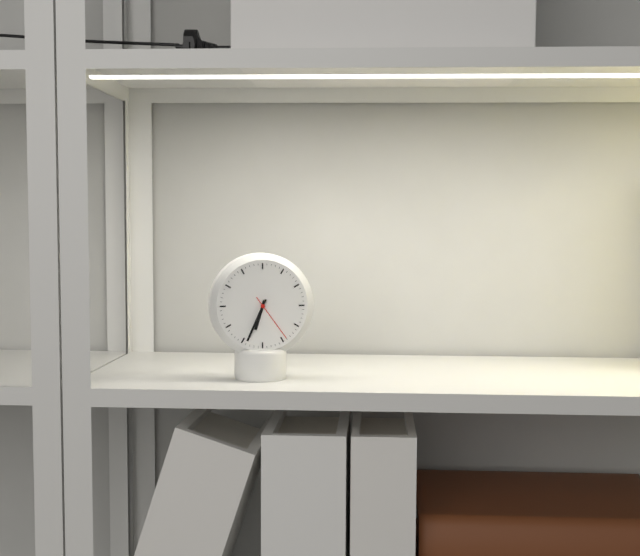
{"hour": 6, "minute": 34}
